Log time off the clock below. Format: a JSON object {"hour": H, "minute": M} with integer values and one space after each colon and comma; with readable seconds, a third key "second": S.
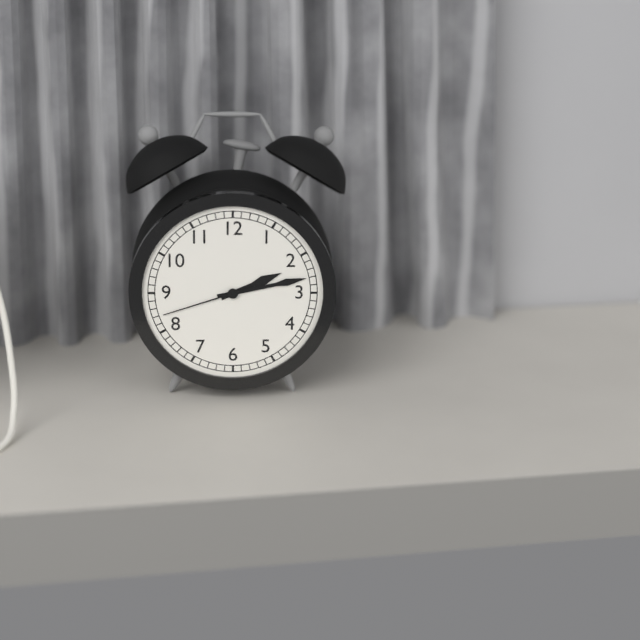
{"hour": 2, "minute": 13, "second": 42}
